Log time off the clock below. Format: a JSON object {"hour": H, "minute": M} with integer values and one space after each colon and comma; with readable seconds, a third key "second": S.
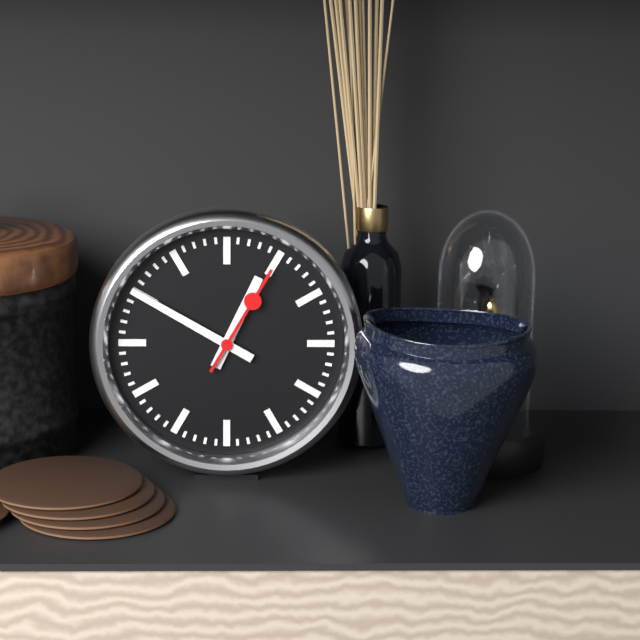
{"hour": 12, "minute": 50, "second": 5}
